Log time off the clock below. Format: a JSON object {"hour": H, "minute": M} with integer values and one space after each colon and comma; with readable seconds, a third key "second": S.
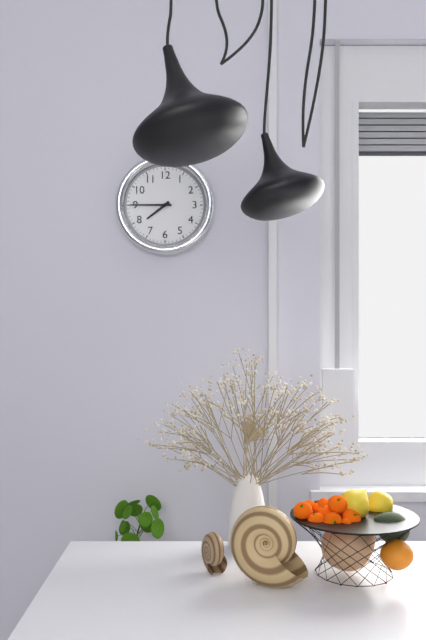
{"hour": 7, "minute": 45}
